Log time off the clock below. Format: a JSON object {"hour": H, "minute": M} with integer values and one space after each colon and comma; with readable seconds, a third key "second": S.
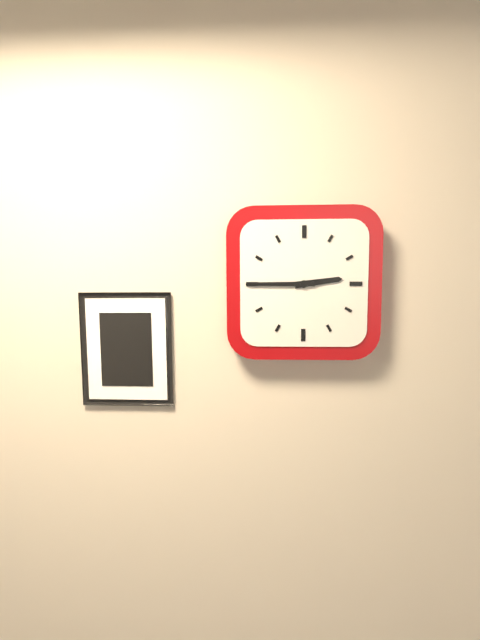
{"hour": 2, "minute": 45}
